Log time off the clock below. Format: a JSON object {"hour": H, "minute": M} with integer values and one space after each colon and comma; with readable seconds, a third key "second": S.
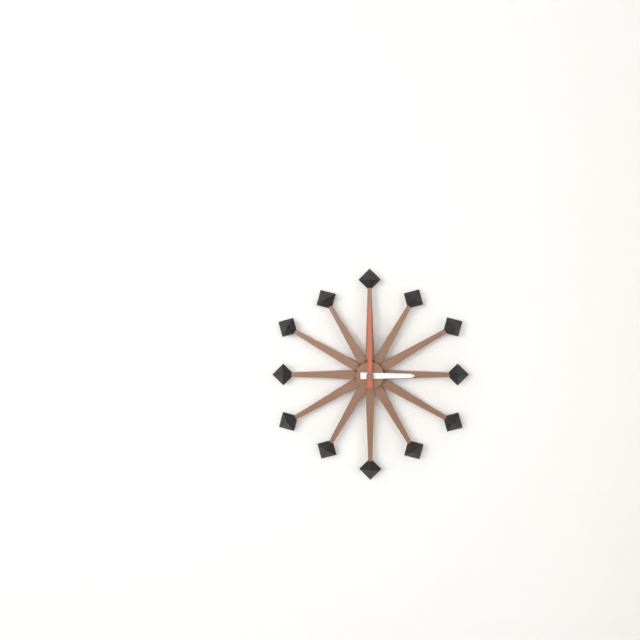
{"hour": 3, "minute": 0}
